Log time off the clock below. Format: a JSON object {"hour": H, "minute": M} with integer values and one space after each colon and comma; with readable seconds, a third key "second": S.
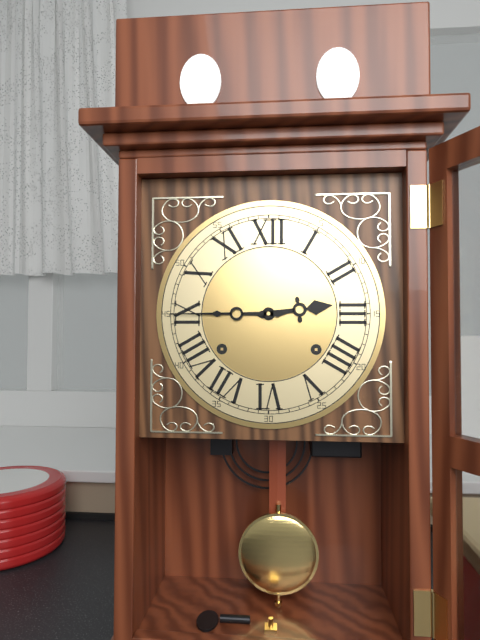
{"hour": 2, "minute": 45}
